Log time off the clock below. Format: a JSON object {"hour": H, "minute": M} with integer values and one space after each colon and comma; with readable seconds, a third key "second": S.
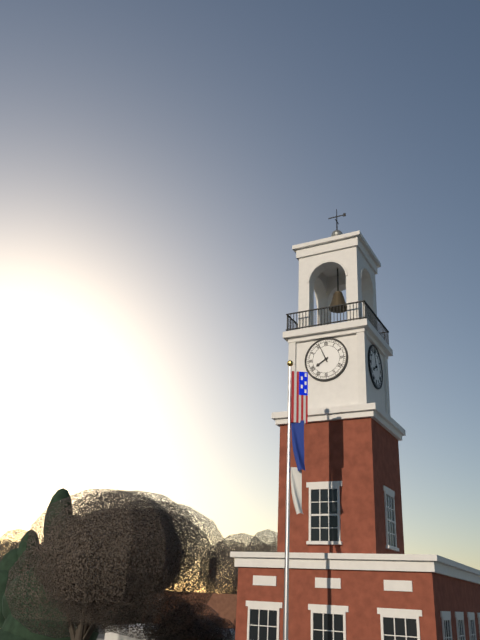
{"hour": 7, "minute": 56}
